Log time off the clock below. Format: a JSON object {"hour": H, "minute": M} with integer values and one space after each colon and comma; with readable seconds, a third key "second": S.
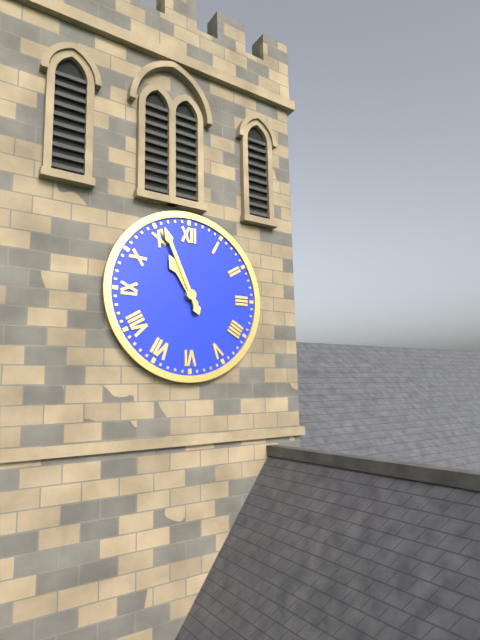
{"hour": 10, "minute": 56}
